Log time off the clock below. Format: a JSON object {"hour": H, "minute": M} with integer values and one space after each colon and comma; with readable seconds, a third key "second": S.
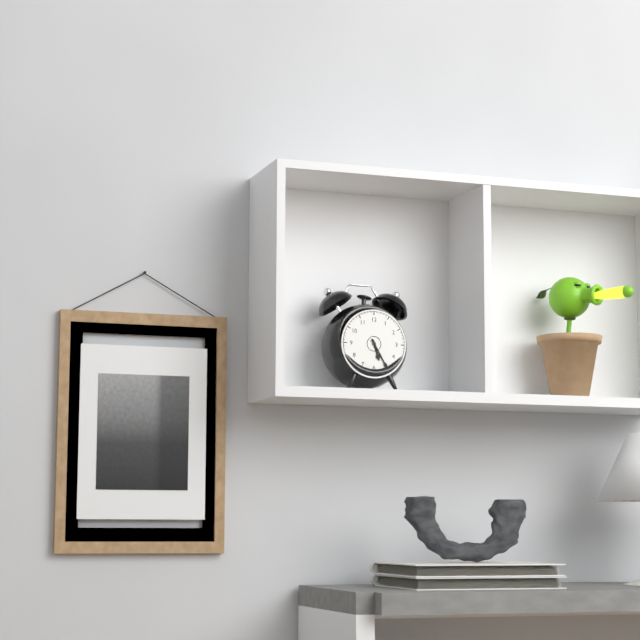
{"hour": 5, "minute": 25}
